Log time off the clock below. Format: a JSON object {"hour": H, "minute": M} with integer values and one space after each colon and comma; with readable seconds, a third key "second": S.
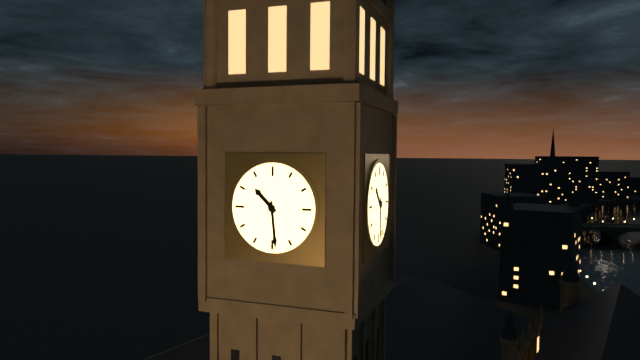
{"hour": 10, "minute": 29}
